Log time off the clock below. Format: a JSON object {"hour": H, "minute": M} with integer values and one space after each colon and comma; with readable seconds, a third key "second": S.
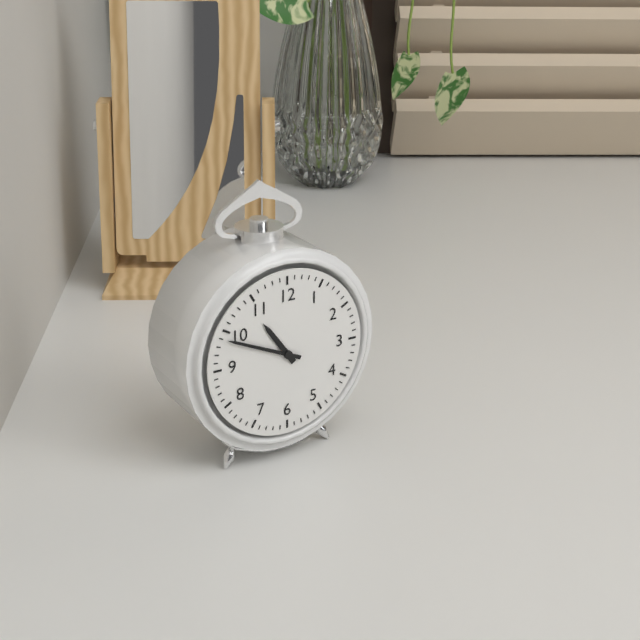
{"hour": 10, "minute": 49}
